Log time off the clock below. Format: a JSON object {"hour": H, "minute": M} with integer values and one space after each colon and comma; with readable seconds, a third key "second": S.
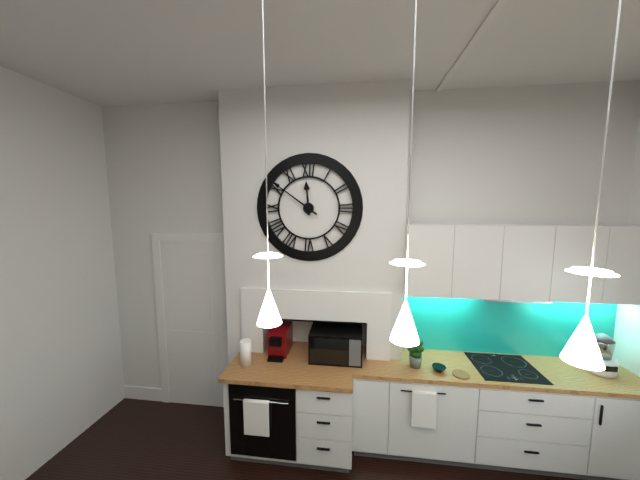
{"hour": 11, "minute": 51}
